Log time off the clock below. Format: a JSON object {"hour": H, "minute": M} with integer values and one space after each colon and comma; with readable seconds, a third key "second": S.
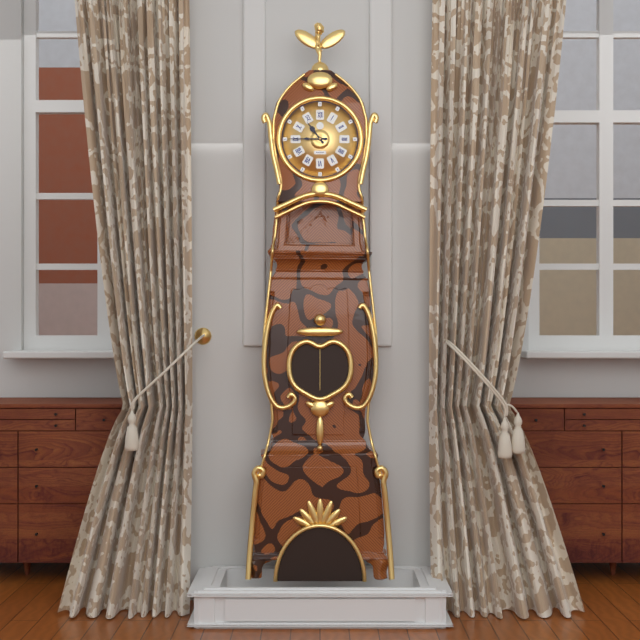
{"hour": 10, "minute": 45}
